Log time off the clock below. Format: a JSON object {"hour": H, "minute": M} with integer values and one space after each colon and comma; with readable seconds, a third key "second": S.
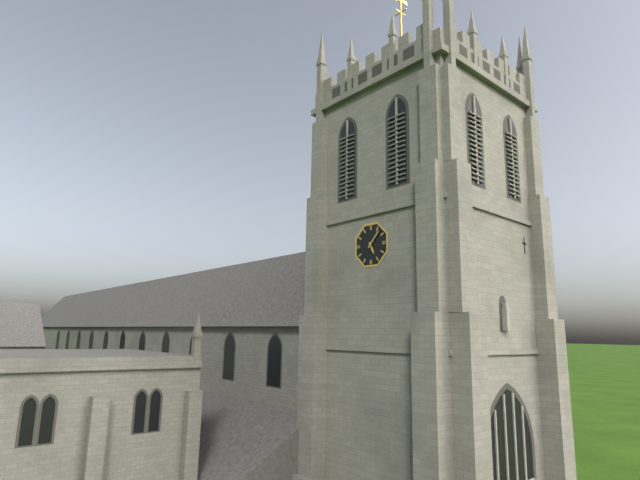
{"hour": 5, "minute": 7}
